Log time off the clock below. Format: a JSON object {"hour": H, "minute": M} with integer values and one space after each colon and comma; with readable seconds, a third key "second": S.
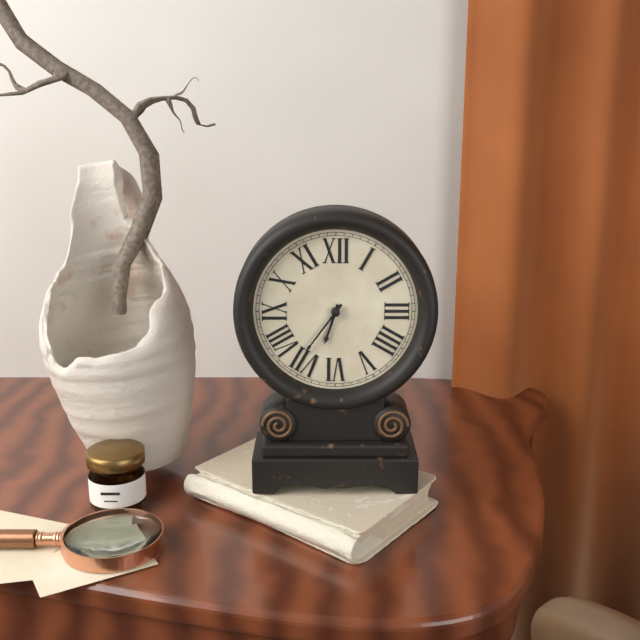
{"hour": 6, "minute": 36}
